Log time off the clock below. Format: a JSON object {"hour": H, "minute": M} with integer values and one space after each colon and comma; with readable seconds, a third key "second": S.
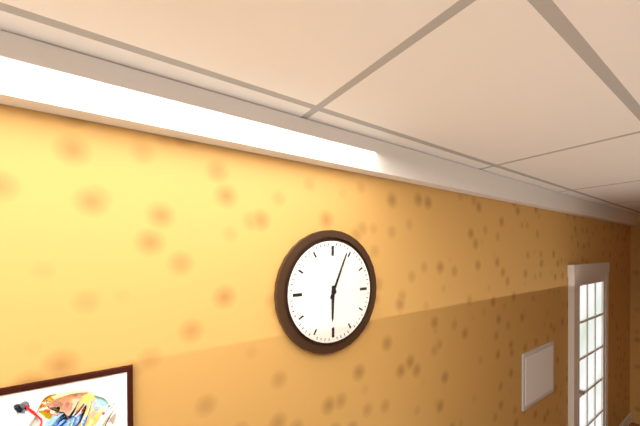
{"hour": 6, "minute": 4}
